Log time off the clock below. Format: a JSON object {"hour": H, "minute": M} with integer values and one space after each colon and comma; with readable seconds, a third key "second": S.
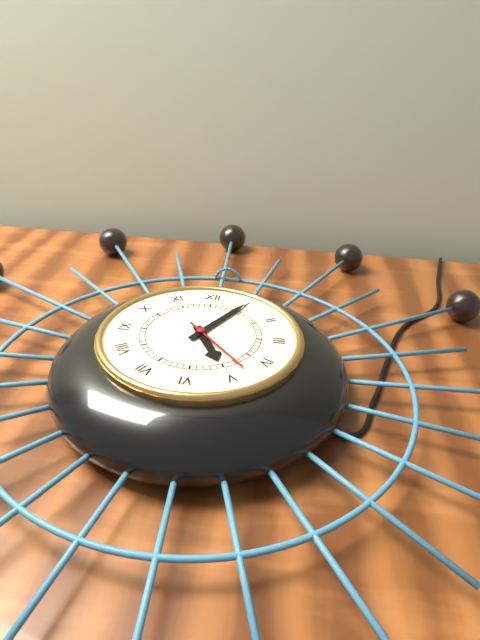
{"hour": 5, "minute": 5, "second": 23}
